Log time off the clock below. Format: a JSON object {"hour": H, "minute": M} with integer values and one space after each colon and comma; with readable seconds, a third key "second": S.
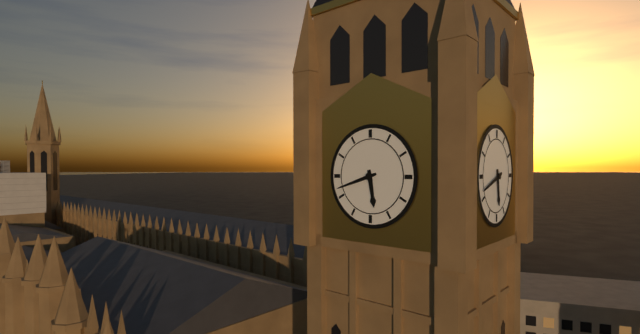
{"hour": 5, "minute": 42}
